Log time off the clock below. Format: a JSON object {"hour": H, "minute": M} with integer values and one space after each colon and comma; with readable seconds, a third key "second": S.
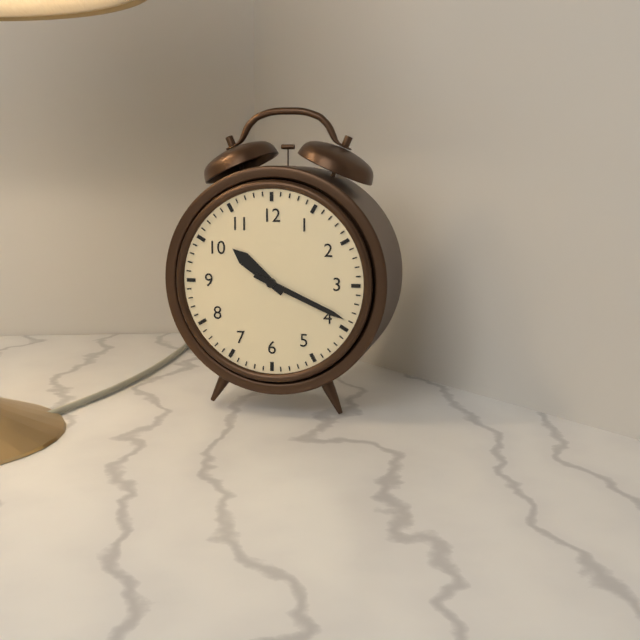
{"hour": 10, "minute": 19}
